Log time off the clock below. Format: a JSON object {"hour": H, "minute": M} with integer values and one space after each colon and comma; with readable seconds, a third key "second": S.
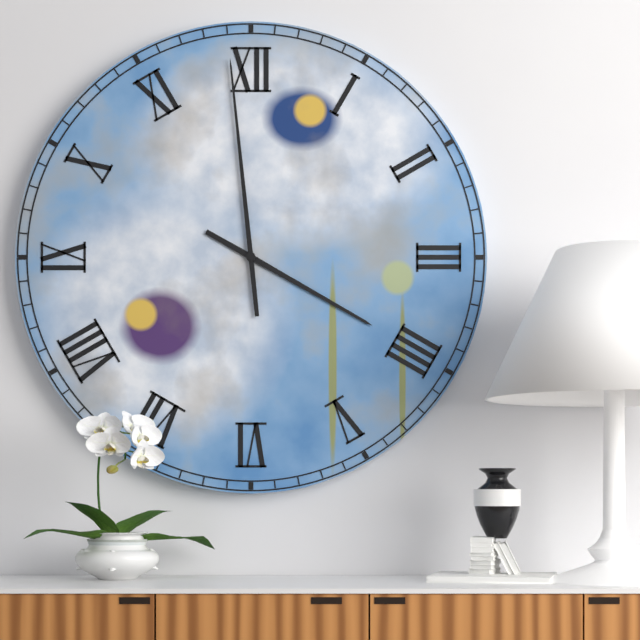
{"hour": 3, "minute": 59}
